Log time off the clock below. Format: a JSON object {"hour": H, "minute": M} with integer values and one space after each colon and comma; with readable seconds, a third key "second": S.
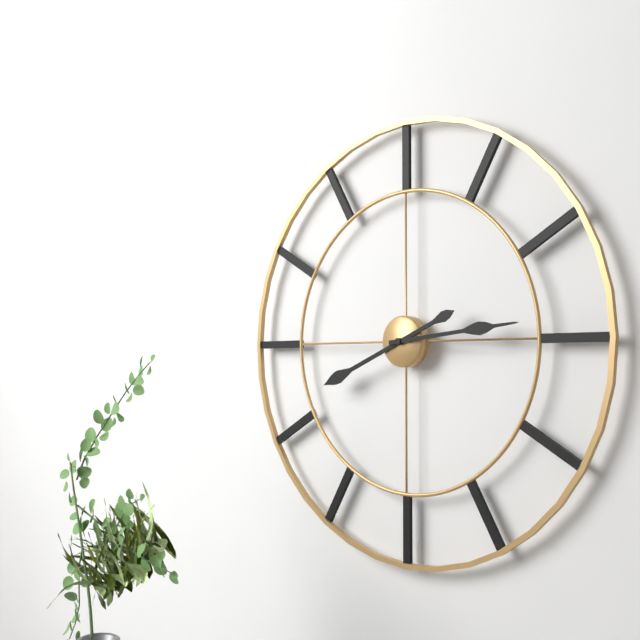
{"hour": 8, "minute": 14}
